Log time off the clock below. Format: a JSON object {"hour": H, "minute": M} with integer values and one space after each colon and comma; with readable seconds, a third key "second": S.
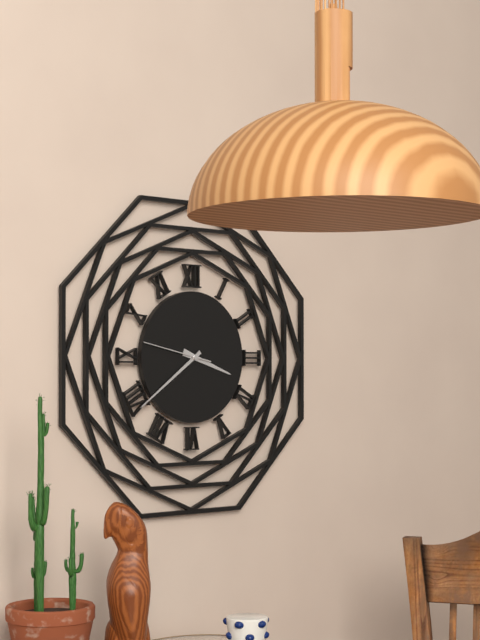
{"hour": 3, "minute": 39, "second": 47}
